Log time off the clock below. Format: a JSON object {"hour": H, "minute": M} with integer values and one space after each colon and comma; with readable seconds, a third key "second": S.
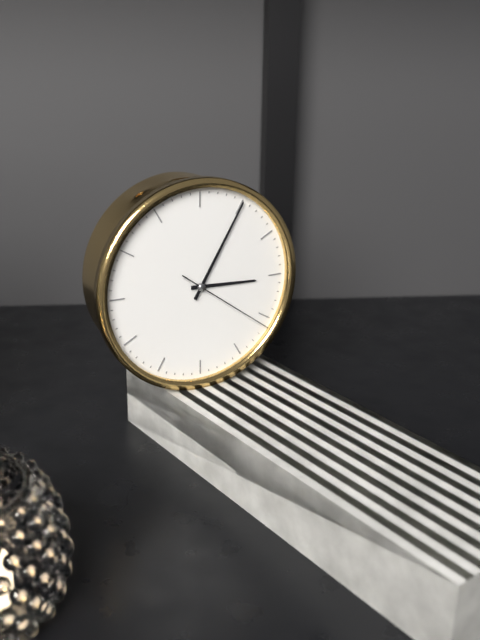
{"hour": 3, "minute": 5, "second": 21}
